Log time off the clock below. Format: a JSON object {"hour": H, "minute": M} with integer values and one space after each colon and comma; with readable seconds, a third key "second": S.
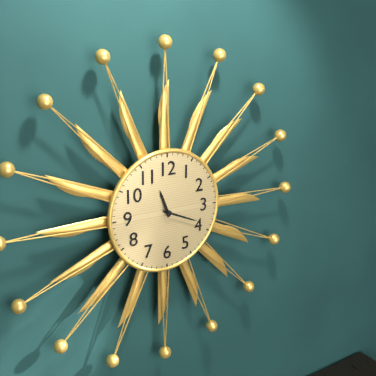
{"hour": 11, "minute": 19}
